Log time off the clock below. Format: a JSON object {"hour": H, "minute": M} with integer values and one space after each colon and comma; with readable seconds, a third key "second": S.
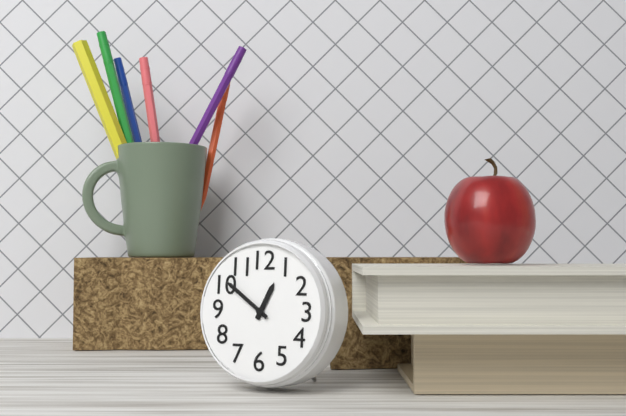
{"hour": 12, "minute": 51}
